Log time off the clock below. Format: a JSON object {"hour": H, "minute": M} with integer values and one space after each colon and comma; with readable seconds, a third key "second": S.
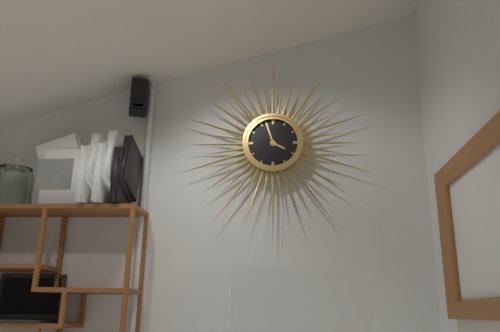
{"hour": 3, "minute": 57}
